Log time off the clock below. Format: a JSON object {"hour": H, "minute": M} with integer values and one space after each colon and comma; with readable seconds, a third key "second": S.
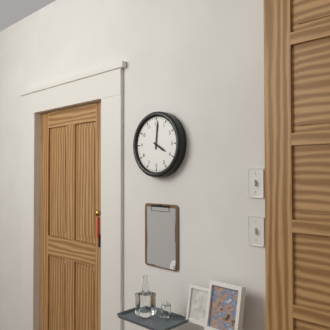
{"hour": 4, "minute": 1}
